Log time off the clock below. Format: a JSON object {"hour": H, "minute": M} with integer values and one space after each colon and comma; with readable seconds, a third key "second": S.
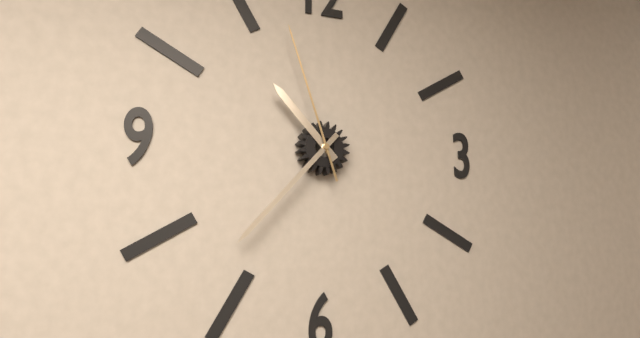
{"hour": 10, "minute": 37, "second": 57}
